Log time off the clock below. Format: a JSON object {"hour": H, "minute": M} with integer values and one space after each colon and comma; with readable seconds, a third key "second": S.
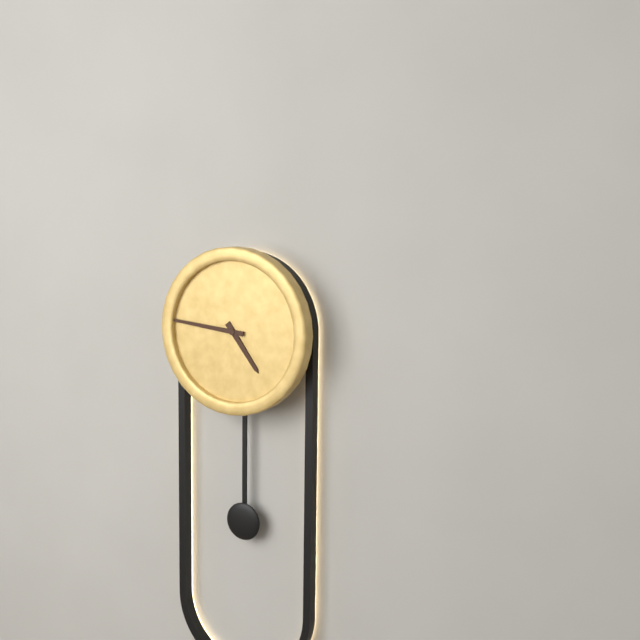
{"hour": 4, "minute": 46}
